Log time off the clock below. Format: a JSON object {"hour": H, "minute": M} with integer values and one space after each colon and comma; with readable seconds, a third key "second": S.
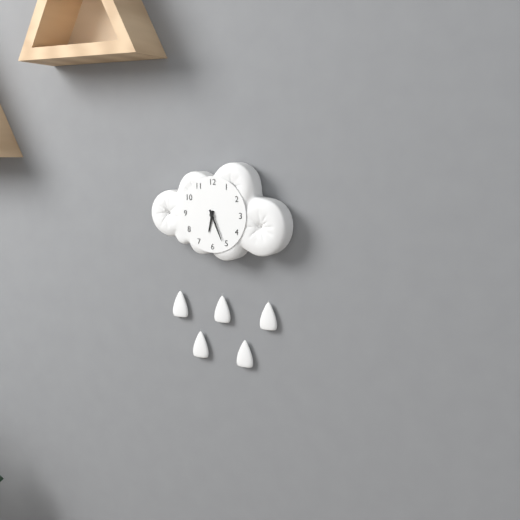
{"hour": 6, "minute": 26}
